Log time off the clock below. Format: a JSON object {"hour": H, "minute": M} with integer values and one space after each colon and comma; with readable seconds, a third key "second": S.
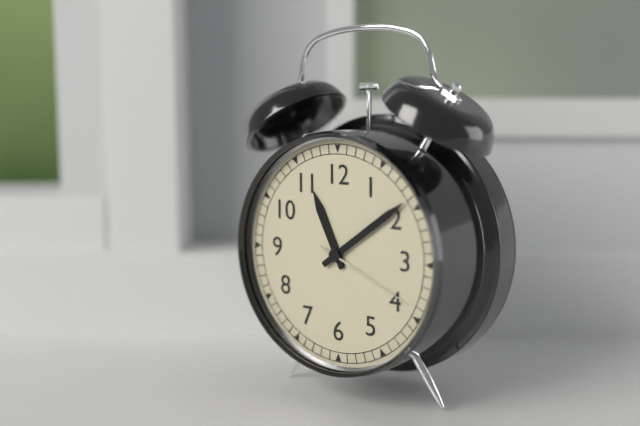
{"hour": 11, "minute": 9, "second": 19}
